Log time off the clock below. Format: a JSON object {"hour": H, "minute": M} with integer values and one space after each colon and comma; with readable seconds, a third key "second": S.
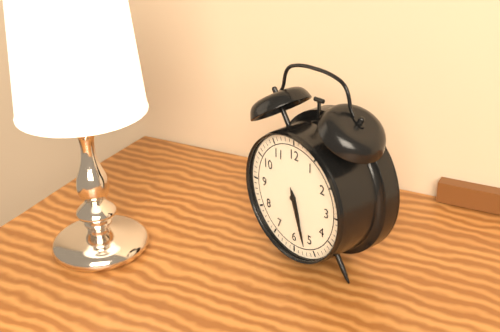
{"hour": 5, "minute": 27}
